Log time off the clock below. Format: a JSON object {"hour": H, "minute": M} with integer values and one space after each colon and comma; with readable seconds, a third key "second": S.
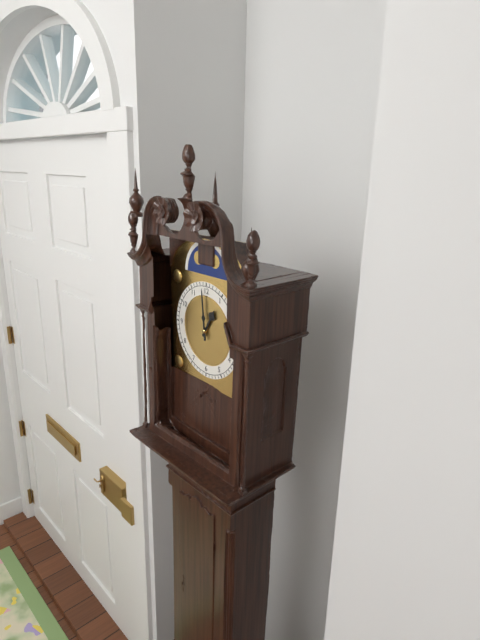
{"hour": 12, "minute": 59}
